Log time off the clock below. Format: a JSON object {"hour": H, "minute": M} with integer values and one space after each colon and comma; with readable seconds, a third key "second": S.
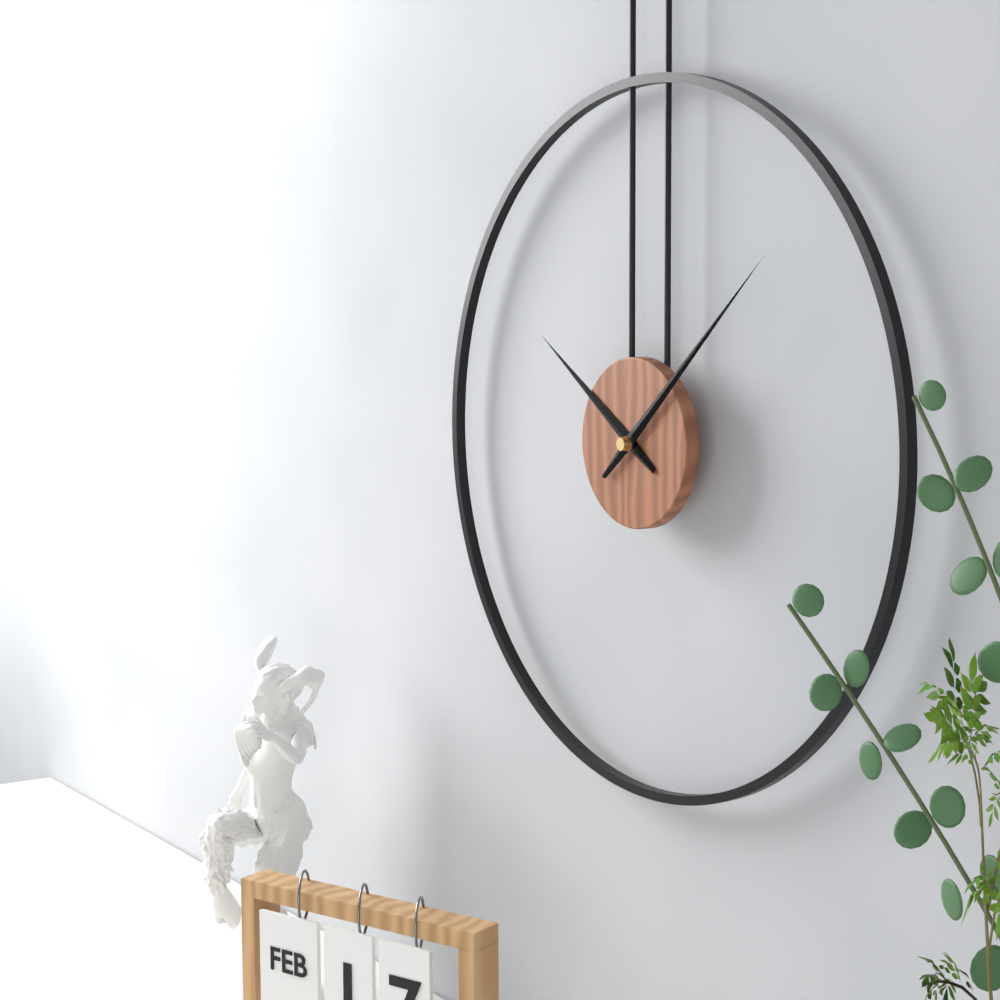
{"hour": 10, "minute": 8}
